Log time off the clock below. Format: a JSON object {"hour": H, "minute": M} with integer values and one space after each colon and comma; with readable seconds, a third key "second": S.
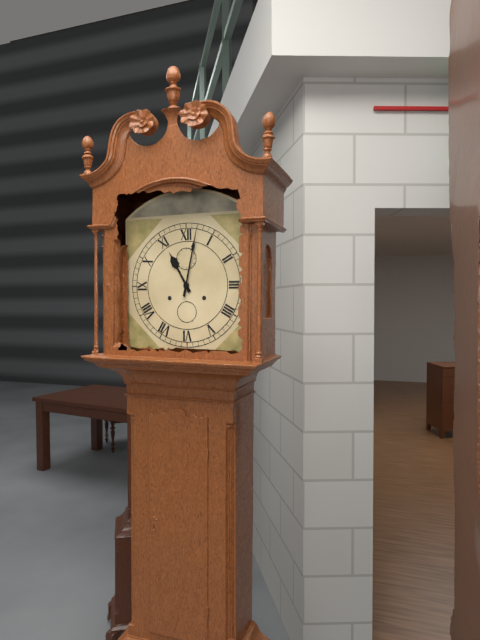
{"hour": 11, "minute": 2}
